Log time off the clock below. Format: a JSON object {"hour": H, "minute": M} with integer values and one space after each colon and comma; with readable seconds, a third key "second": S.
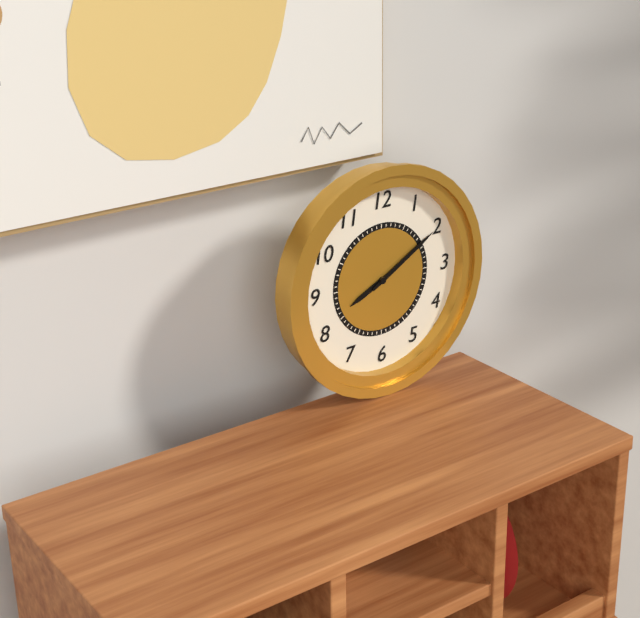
{"hour": 8, "minute": 10}
